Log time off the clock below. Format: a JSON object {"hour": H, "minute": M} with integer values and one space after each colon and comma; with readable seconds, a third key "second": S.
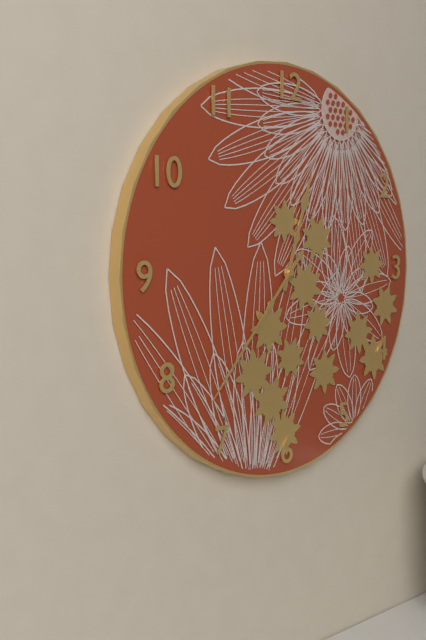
{"hour": 12, "minute": 37}
